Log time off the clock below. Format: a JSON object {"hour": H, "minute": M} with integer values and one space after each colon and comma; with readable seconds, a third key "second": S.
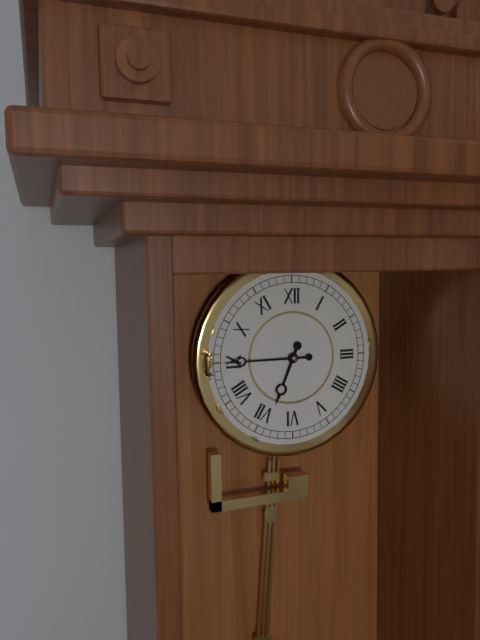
{"hour": 6, "minute": 45}
